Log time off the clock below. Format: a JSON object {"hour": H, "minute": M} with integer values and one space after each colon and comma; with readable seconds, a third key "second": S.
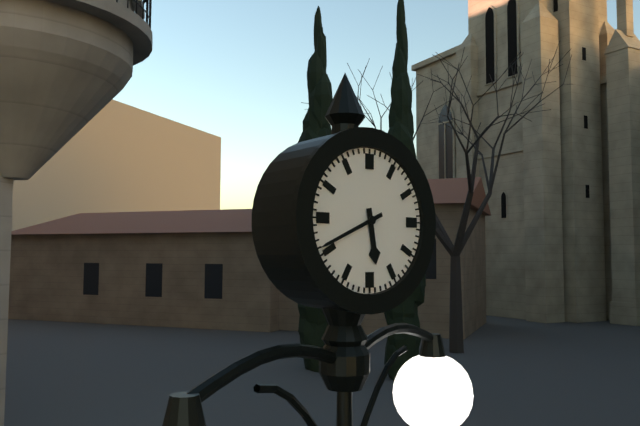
{"hour": 5, "minute": 41}
